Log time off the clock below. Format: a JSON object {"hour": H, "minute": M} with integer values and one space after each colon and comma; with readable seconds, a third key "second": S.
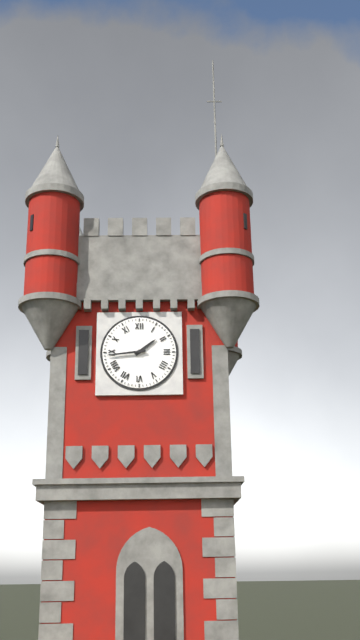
{"hour": 1, "minute": 44}
